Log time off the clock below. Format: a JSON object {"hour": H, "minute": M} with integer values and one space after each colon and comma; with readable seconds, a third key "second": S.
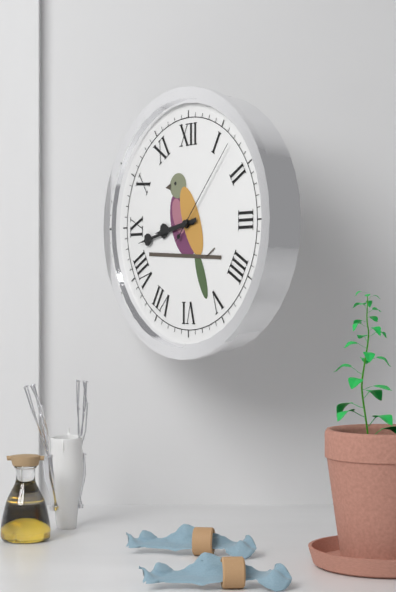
{"hour": 8, "minute": 43, "second": 7}
